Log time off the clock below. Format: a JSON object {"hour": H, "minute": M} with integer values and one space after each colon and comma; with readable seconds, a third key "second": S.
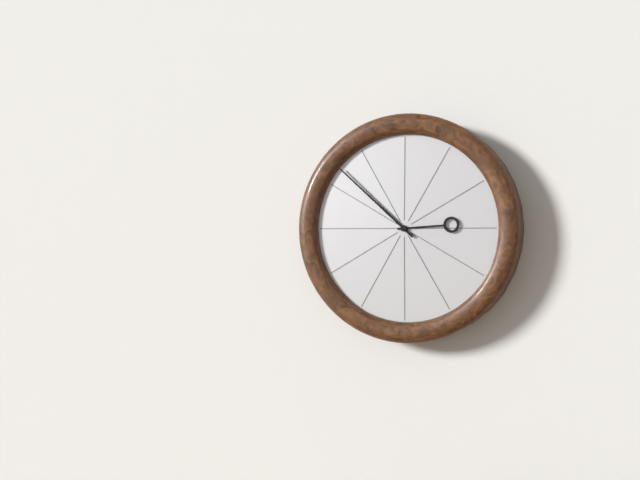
{"hour": 2, "minute": 52}
